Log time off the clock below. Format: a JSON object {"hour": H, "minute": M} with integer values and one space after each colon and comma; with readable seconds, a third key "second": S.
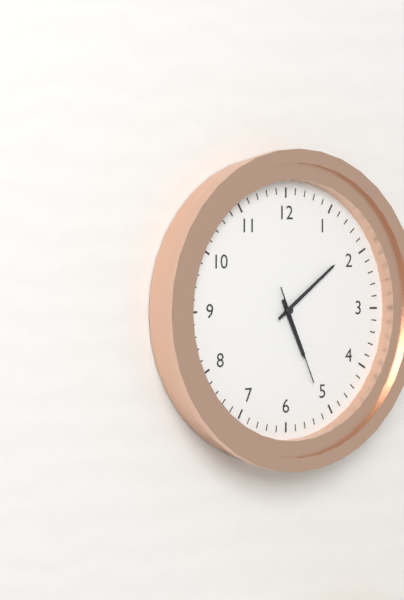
{"hour": 5, "minute": 9, "second": 26}
